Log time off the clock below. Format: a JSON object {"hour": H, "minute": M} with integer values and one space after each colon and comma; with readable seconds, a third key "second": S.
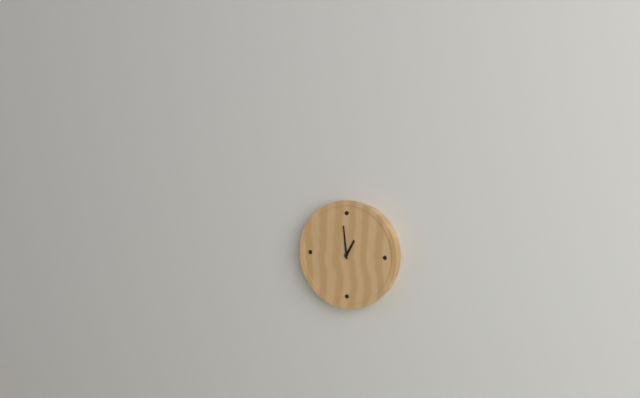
{"hour": 12, "minute": 59}
